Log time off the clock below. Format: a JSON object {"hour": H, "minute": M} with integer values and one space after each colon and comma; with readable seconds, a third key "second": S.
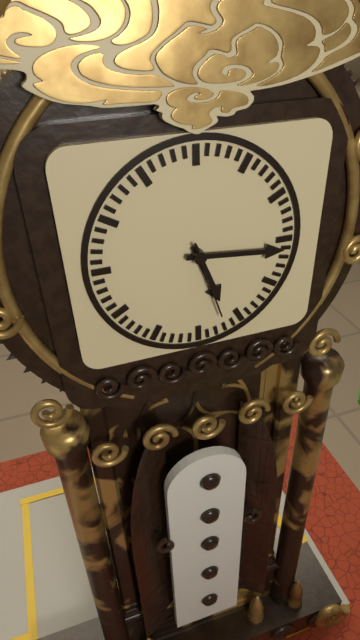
{"hour": 5, "minute": 16, "second": 27}
